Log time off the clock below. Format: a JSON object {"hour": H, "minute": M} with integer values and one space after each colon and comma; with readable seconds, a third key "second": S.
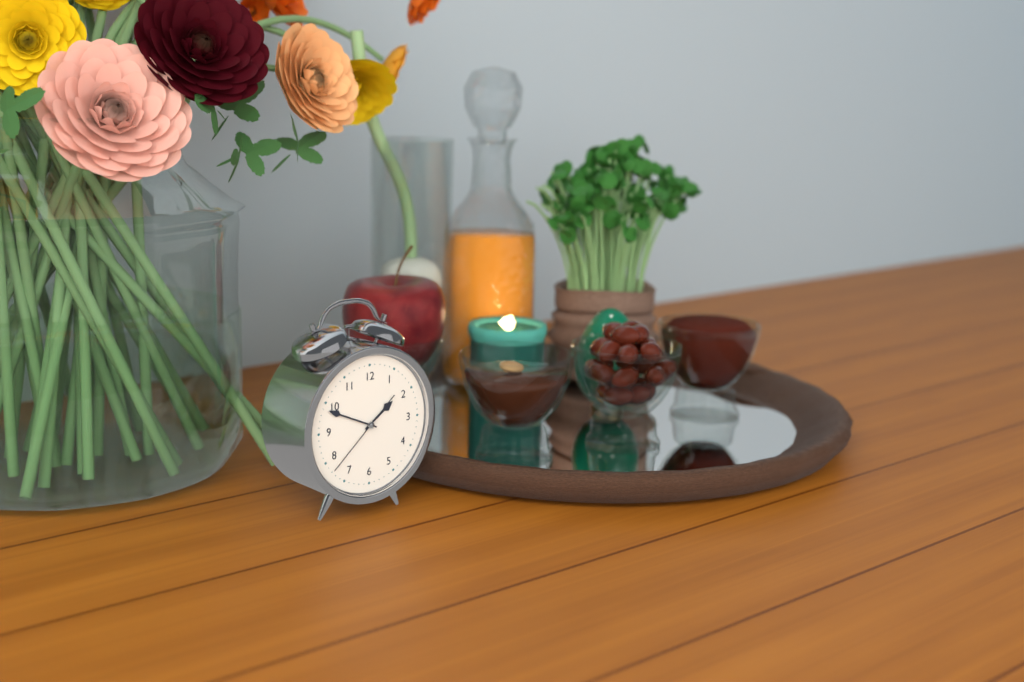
{"hour": 1, "minute": 49, "second": 38}
